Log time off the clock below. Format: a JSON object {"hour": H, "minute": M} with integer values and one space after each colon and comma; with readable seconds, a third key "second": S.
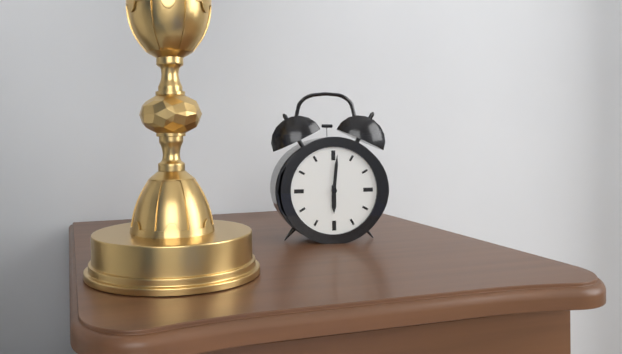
{"hour": 6, "minute": 1}
